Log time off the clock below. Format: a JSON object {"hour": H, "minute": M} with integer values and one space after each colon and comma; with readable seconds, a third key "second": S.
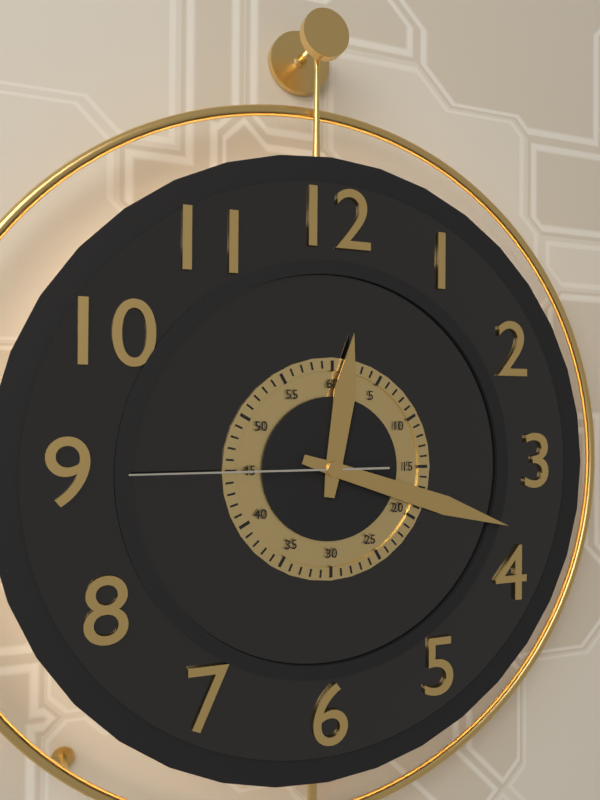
{"hour": 12, "minute": 18, "second": 45}
